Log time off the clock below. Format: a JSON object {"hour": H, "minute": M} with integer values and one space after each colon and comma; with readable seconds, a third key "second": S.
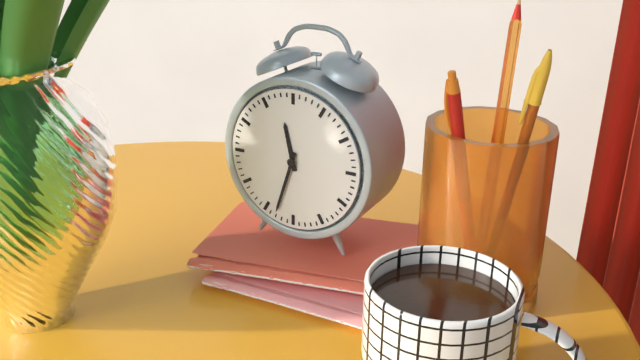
{"hour": 11, "minute": 33}
